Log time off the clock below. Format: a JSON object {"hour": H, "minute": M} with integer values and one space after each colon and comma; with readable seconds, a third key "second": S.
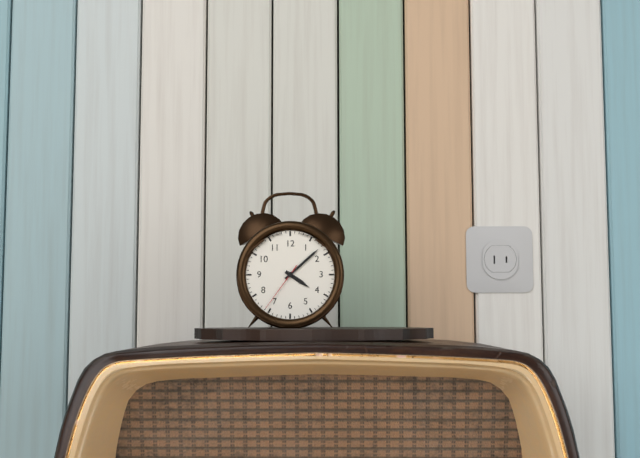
{"hour": 4, "minute": 8, "second": 36}
